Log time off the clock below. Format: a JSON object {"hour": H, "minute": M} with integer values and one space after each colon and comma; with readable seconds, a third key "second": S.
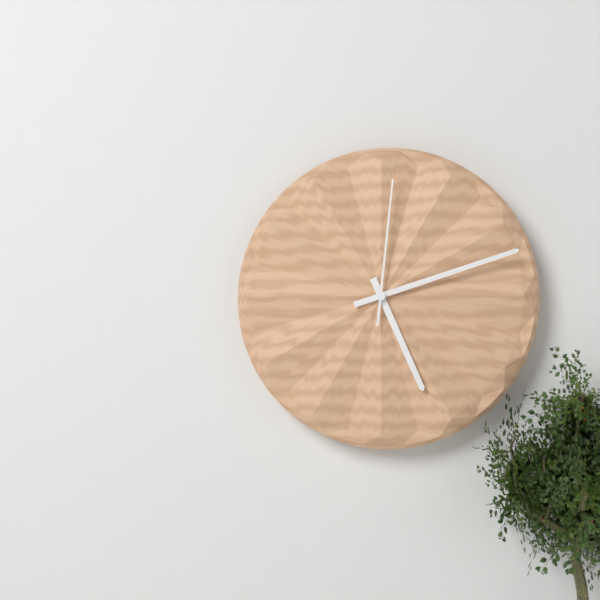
{"hour": 5, "minute": 12, "second": 1}
